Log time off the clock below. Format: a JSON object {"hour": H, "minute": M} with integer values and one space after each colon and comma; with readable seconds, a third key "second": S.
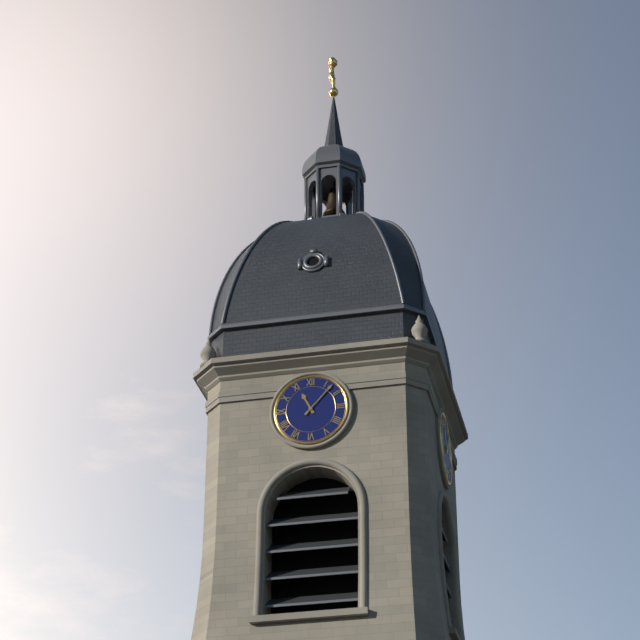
{"hour": 11, "minute": 7}
